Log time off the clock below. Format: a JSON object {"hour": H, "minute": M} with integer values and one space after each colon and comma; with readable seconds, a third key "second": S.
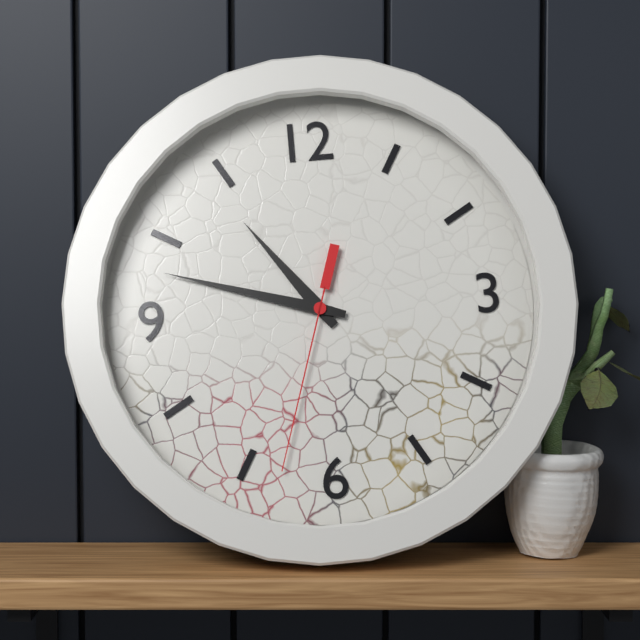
{"hour": 10, "minute": 48, "second": 33}
